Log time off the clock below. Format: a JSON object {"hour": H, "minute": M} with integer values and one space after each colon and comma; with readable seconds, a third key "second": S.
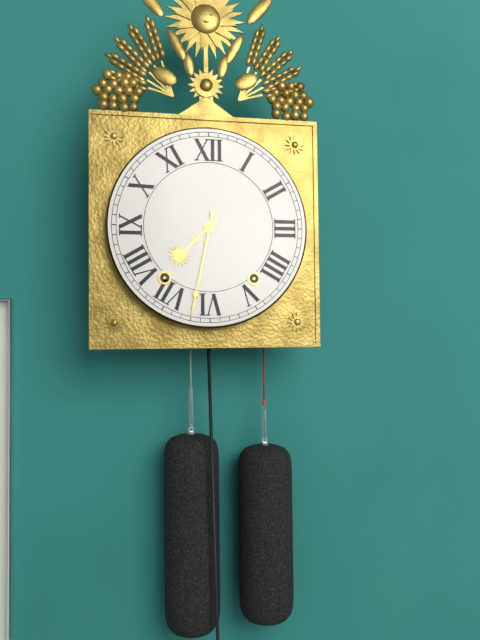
{"hour": 7, "minute": 32}
